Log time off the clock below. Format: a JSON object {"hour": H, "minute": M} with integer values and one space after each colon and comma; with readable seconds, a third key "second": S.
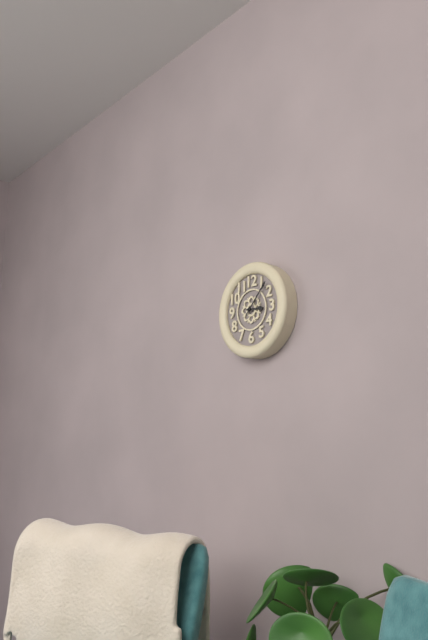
{"hour": 3, "minute": 7}
